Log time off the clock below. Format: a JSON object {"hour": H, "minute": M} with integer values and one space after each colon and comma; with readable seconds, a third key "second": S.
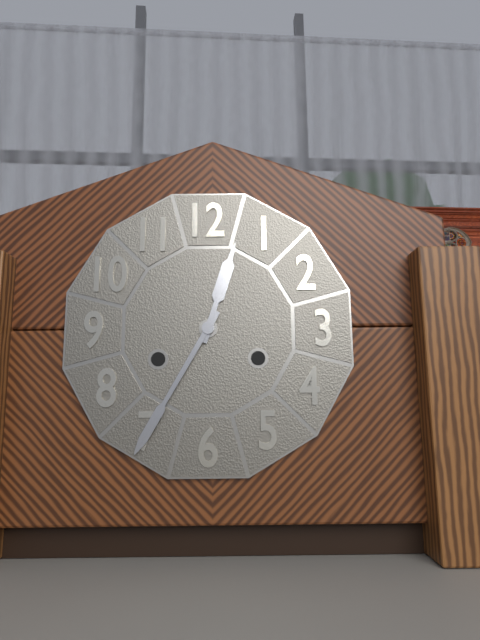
{"hour": 12, "minute": 35}
